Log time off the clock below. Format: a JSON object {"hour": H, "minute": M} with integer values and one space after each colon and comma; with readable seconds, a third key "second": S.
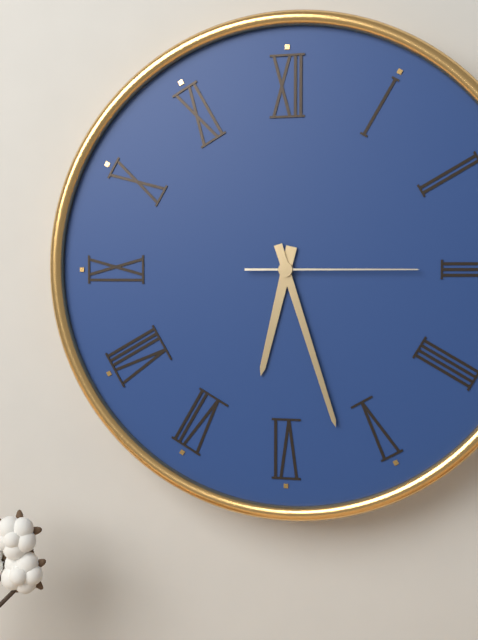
{"hour": 6, "minute": 27, "second": 15}
